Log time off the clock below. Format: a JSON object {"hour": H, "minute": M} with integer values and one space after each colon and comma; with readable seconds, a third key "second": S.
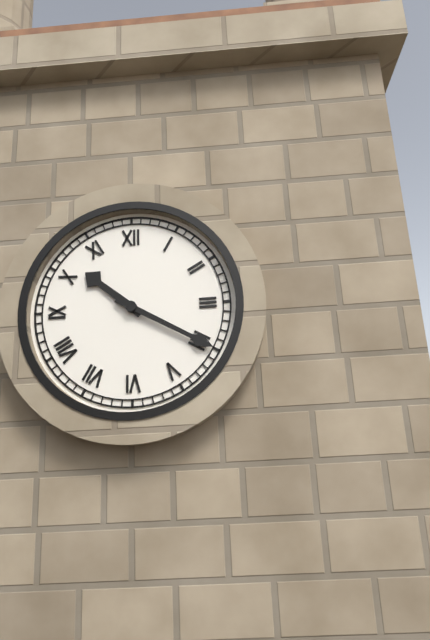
{"hour": 10, "minute": 20}
